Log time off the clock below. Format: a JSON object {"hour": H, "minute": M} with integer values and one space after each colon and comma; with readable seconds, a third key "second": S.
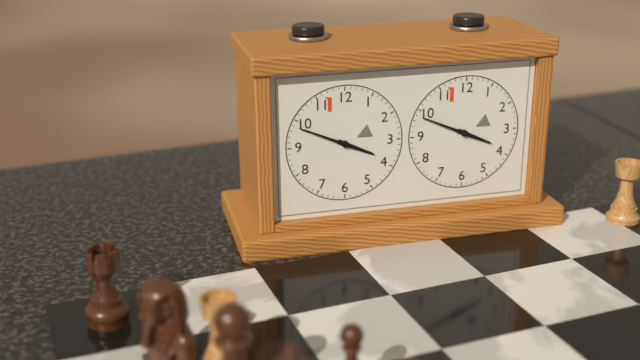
{"hour": 3, "minute": 49}
